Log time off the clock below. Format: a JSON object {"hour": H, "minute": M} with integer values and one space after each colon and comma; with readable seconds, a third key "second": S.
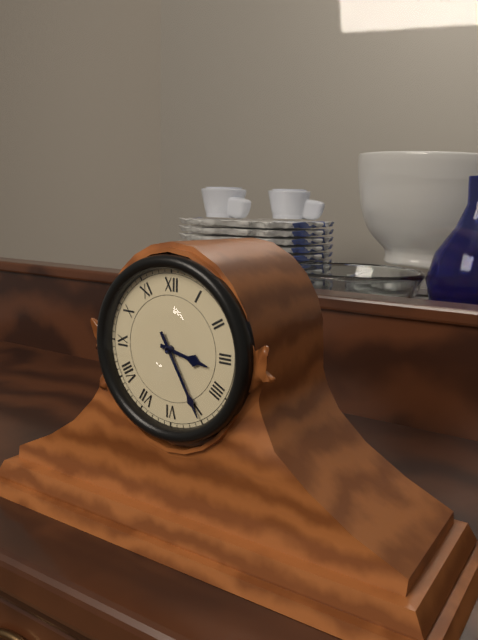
{"hour": 3, "minute": 25}
